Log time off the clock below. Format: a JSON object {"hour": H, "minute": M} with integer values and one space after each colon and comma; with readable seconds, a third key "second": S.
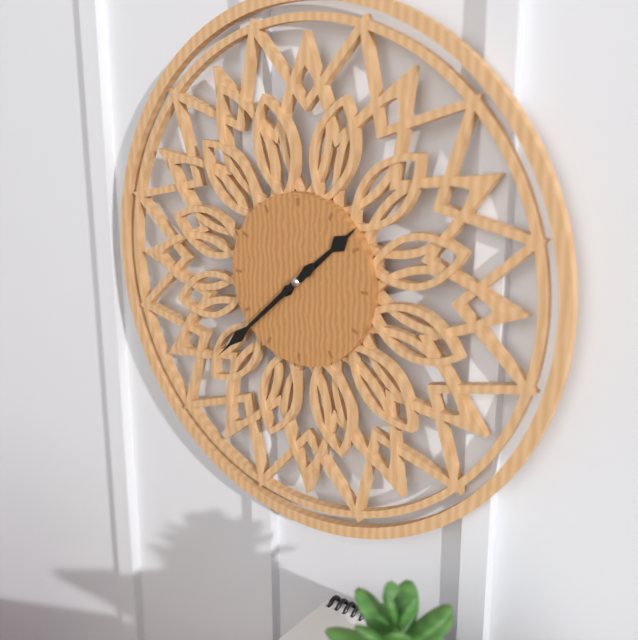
{"hour": 1, "minute": 38}
